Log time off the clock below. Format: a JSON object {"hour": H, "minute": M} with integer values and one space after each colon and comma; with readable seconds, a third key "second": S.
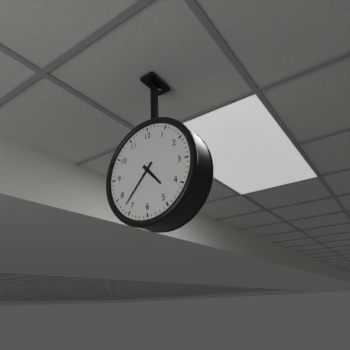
{"hour": 4, "minute": 37}
